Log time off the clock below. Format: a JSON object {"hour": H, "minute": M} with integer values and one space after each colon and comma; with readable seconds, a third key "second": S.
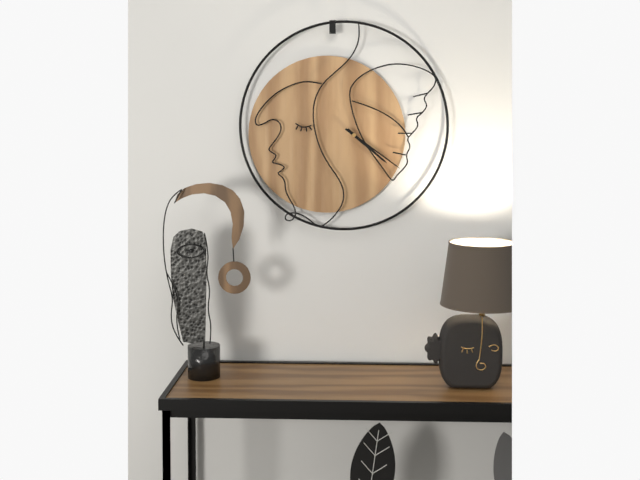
{"hour": 4, "minute": 21}
